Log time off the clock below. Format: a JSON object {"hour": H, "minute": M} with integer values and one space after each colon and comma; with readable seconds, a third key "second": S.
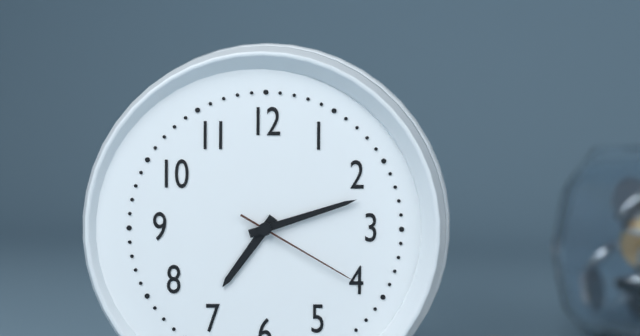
{"hour": 7, "minute": 12, "second": 20}
